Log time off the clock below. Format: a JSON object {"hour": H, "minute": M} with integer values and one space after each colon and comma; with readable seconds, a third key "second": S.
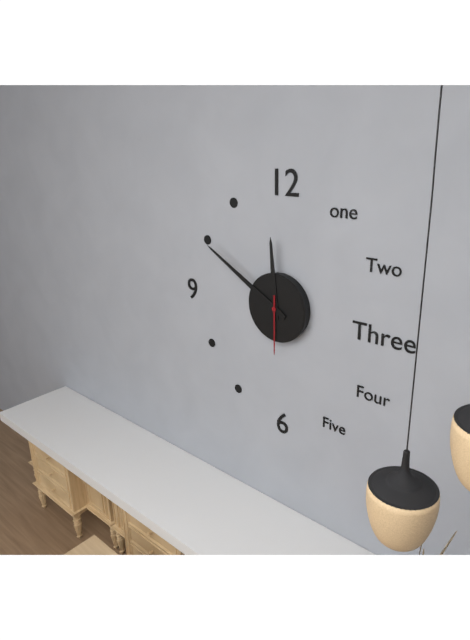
{"hour": 11, "minute": 50, "second": 30}
